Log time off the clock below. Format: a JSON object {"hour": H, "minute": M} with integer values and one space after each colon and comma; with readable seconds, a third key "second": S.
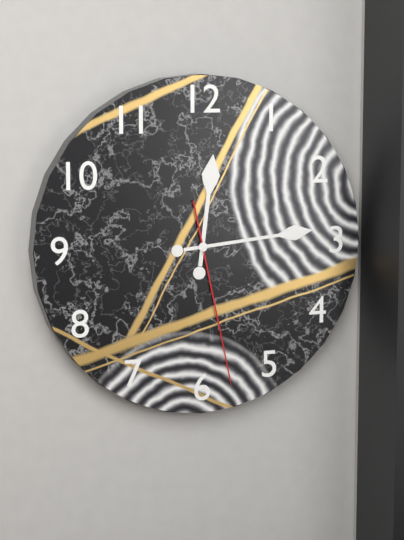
{"hour": 12, "minute": 14, "second": 28}
